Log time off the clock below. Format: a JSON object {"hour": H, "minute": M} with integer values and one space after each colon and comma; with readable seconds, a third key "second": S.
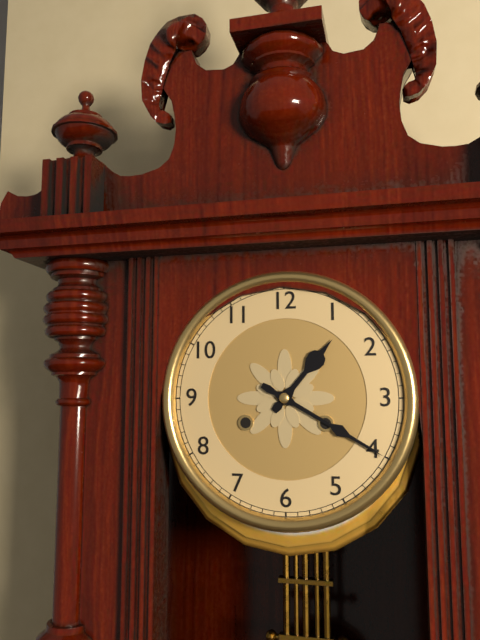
{"hour": 1, "minute": 20}
